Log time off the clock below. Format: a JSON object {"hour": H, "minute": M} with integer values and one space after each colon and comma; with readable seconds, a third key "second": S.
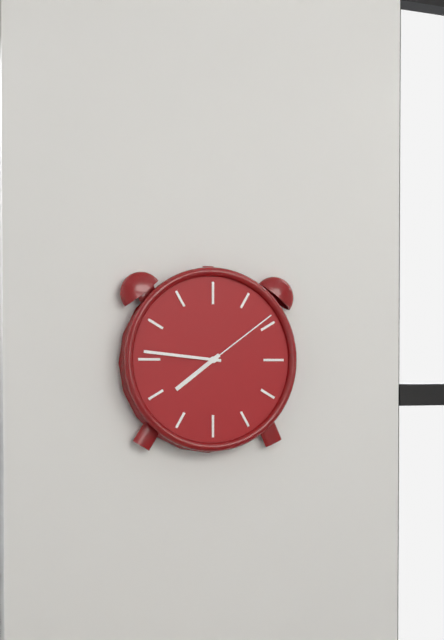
{"hour": 7, "minute": 46, "second": 9}
